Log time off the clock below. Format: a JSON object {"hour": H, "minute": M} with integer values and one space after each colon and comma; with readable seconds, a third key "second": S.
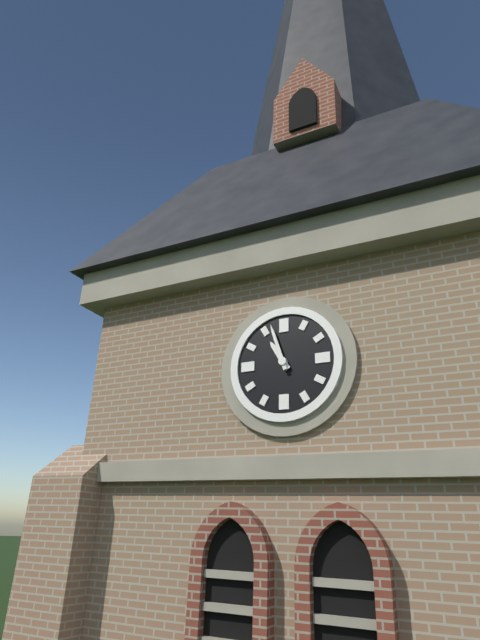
{"hour": 10, "minute": 57}
